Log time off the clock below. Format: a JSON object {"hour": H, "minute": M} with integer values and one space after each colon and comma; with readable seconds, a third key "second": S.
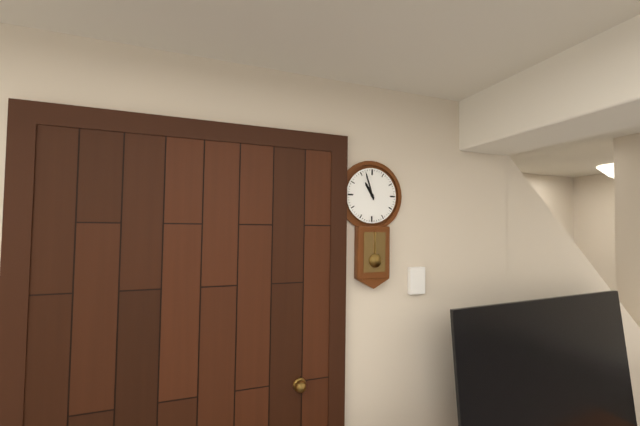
{"hour": 10, "minute": 57}
